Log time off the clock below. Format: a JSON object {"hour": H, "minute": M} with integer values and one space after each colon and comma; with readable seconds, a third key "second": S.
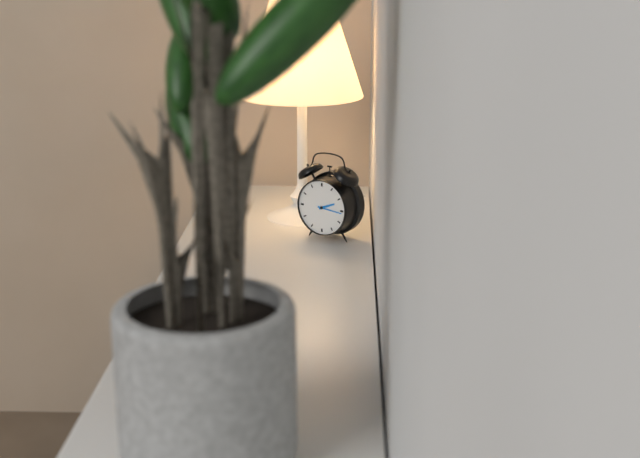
{"hour": 2, "minute": 16}
